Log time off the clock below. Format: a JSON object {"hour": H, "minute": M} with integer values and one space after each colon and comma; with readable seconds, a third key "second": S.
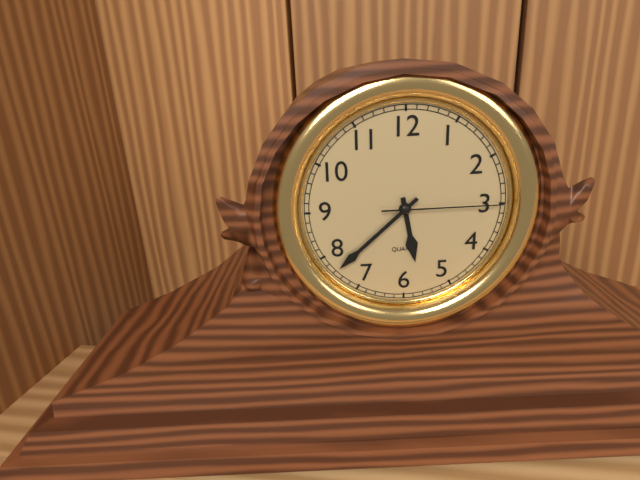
{"hour": 5, "minute": 38, "second": 15}
